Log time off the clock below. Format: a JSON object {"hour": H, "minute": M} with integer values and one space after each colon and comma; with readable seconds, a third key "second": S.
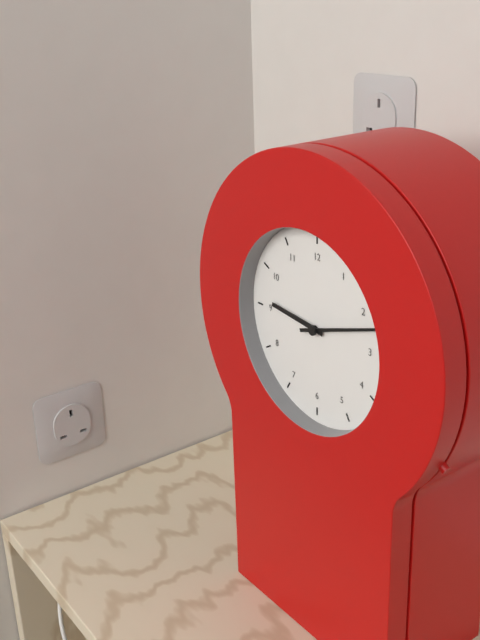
{"hour": 9, "minute": 12}
